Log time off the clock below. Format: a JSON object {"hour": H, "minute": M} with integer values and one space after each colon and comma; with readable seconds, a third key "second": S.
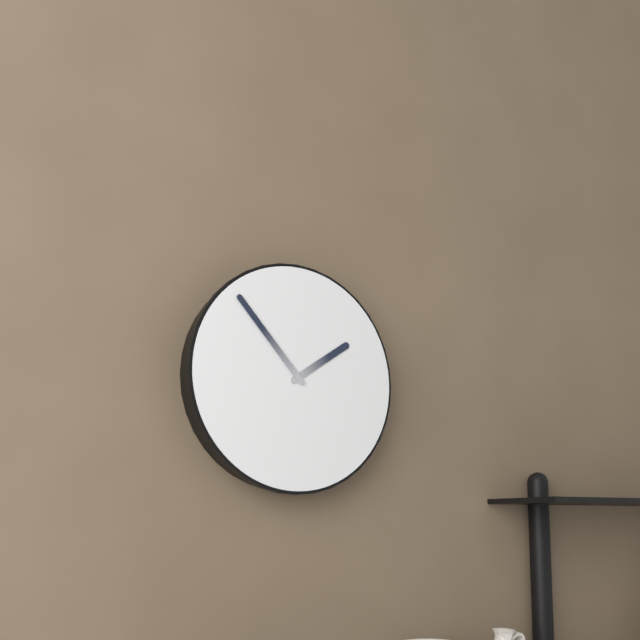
{"hour": 1, "minute": 53}
